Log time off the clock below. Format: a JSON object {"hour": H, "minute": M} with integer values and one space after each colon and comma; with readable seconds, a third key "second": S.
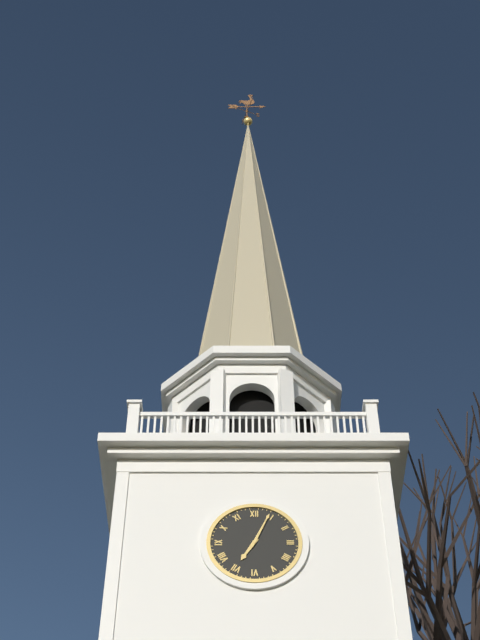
{"hour": 7, "minute": 4}
